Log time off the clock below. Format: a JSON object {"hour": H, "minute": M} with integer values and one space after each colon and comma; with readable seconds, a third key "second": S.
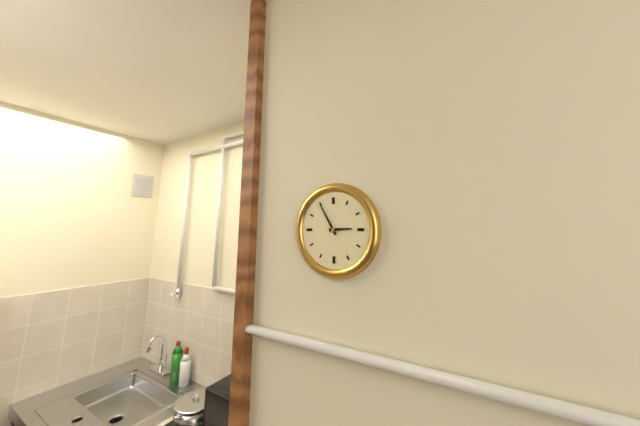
{"hour": 2, "minute": 55}
